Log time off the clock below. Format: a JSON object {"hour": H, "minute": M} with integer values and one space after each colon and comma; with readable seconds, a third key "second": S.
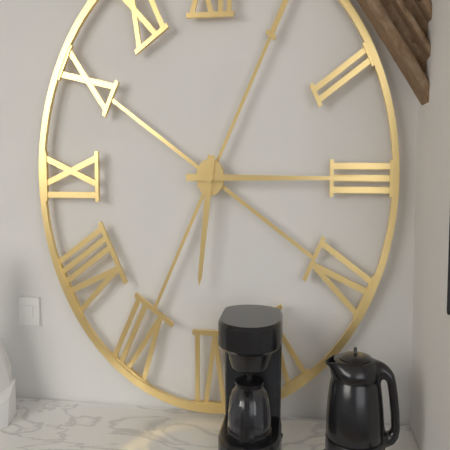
{"hour": 6, "minute": 15}
